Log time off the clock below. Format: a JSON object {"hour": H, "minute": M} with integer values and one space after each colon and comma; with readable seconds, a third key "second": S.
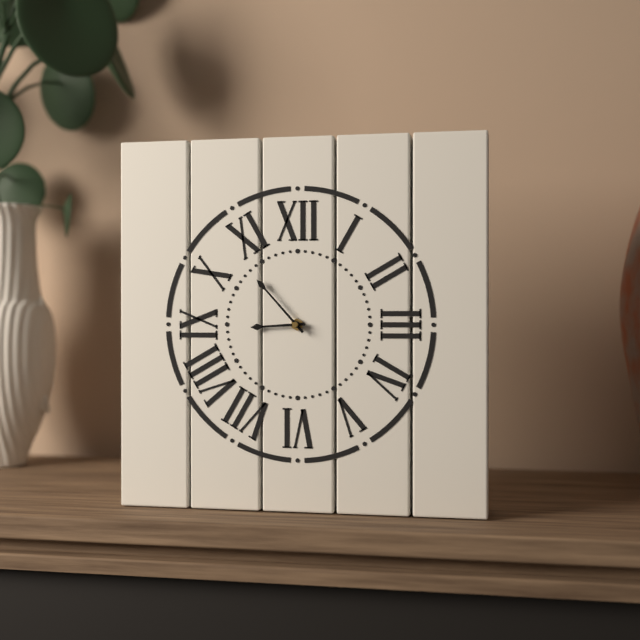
{"hour": 8, "minute": 53}
